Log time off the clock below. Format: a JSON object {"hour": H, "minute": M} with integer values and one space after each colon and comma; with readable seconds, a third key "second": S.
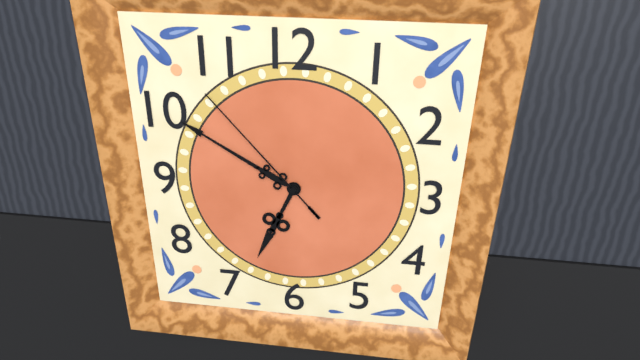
{"hour": 6, "minute": 50, "second": 53}
